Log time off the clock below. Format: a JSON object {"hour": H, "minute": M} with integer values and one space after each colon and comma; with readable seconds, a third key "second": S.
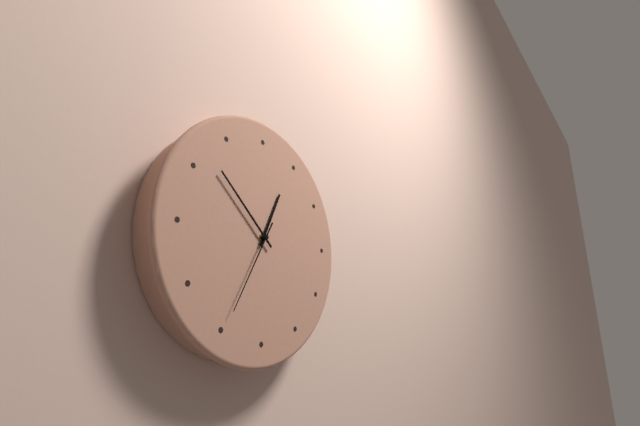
{"hour": 12, "minute": 52, "second": 35}
